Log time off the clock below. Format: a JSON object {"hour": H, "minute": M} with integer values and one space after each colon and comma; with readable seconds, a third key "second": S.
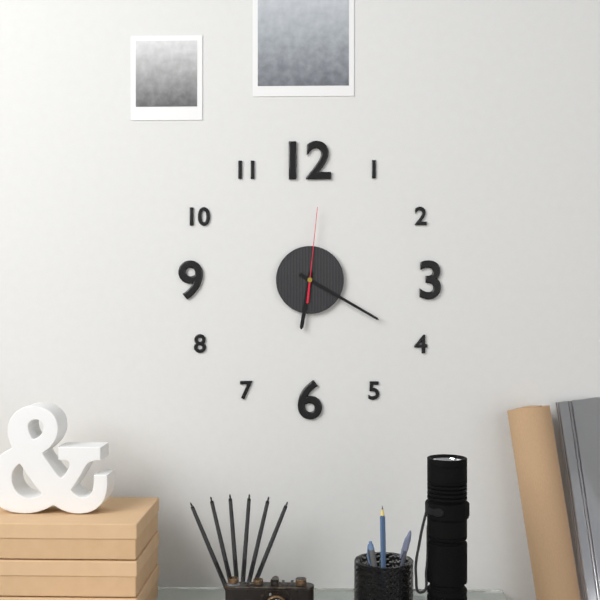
{"hour": 6, "minute": 20, "second": 1}
